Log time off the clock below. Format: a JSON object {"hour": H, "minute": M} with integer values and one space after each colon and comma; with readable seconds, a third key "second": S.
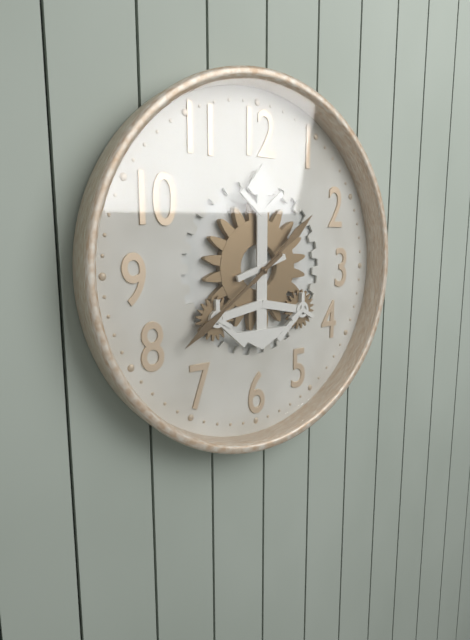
{"hour": 1, "minute": 39}
